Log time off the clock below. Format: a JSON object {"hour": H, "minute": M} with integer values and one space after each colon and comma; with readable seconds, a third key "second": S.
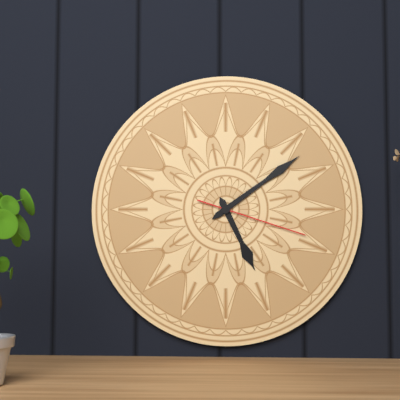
{"hour": 5, "minute": 9, "second": 18}
